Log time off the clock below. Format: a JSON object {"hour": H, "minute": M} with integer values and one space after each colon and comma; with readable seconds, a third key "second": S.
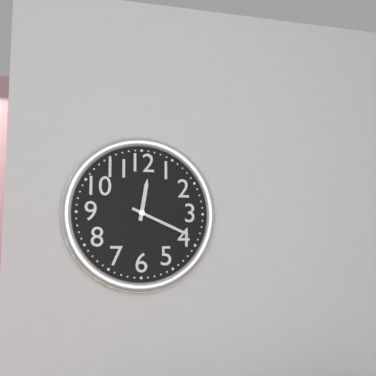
{"hour": 12, "minute": 19}
